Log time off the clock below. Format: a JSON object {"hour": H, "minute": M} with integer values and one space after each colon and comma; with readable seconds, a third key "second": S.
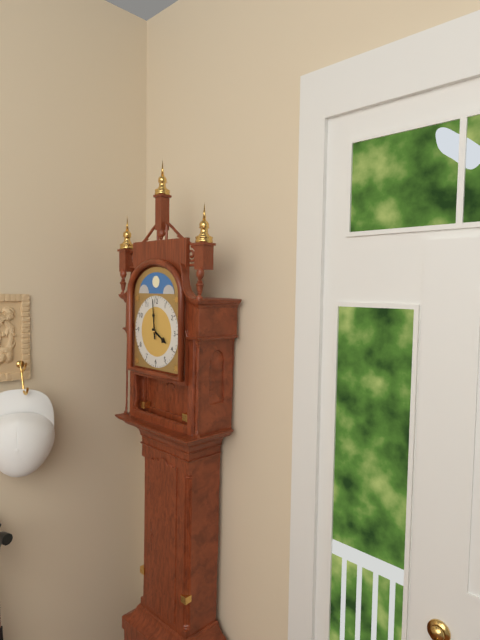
{"hour": 3, "minute": 59}
